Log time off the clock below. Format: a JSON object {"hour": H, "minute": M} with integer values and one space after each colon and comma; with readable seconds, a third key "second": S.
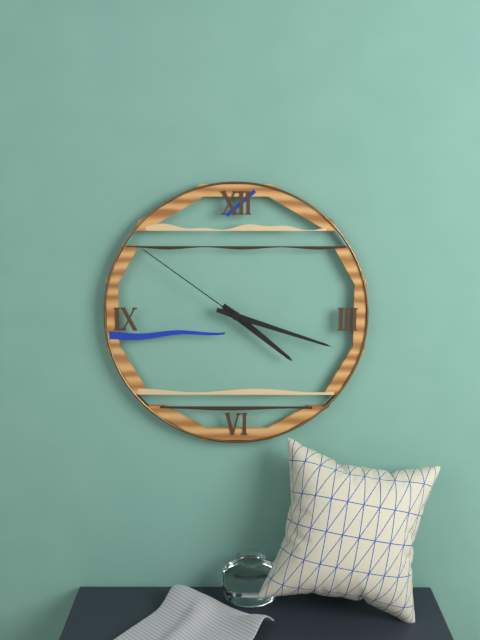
{"hour": 4, "minute": 18, "second": 51}
